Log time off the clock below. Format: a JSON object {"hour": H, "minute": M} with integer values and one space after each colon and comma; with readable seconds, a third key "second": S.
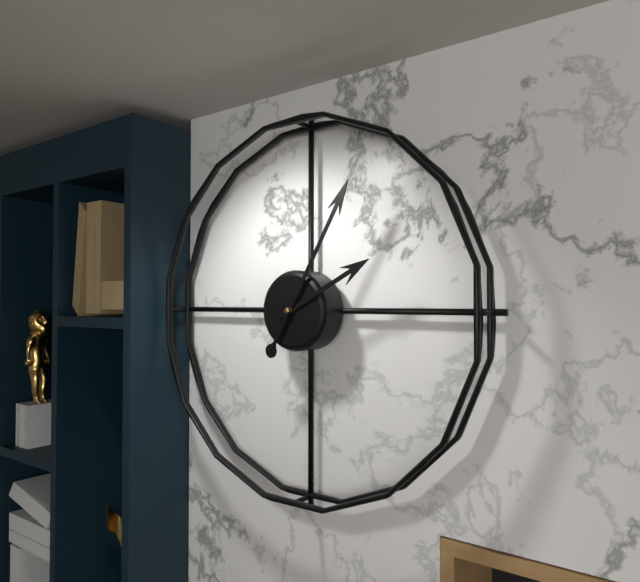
{"hour": 2, "minute": 5}
